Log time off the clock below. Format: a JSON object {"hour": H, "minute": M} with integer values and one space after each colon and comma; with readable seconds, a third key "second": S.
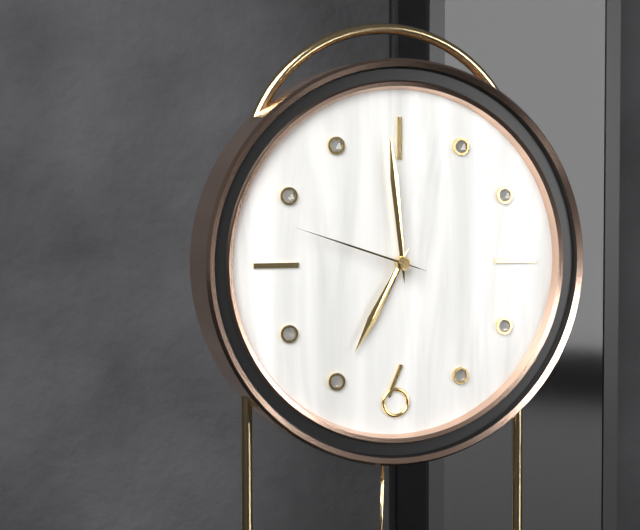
{"hour": 6, "minute": 59, "second": 48}
